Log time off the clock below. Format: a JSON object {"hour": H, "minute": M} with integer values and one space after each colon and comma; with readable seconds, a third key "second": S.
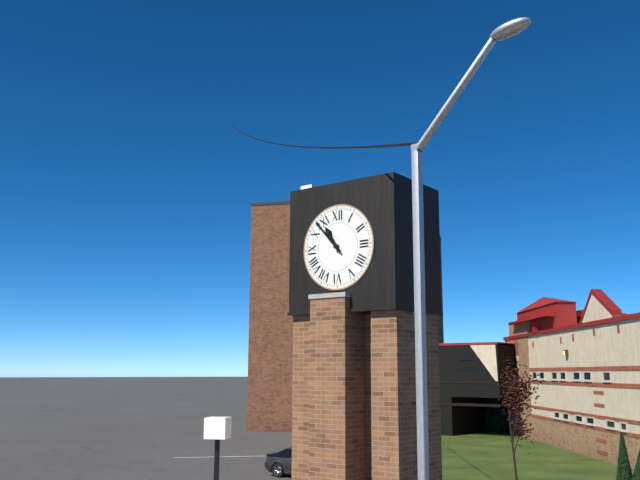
{"hour": 10, "minute": 53}
